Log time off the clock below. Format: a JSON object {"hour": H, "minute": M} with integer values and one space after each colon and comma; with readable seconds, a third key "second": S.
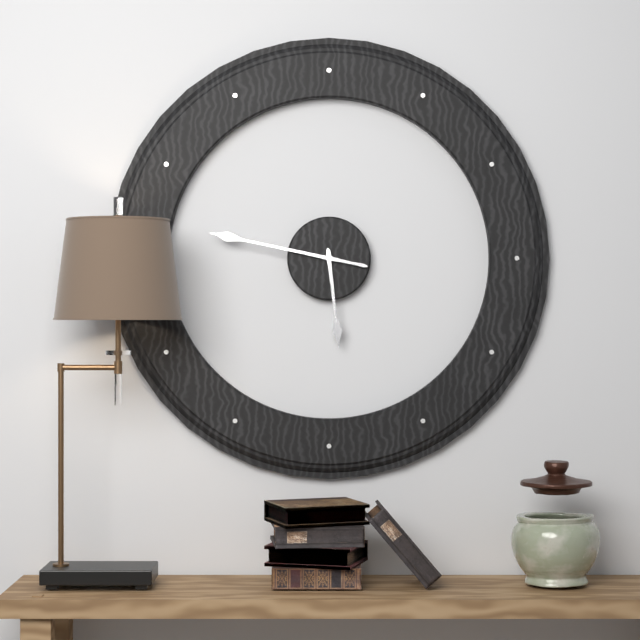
{"hour": 5, "minute": 47}
